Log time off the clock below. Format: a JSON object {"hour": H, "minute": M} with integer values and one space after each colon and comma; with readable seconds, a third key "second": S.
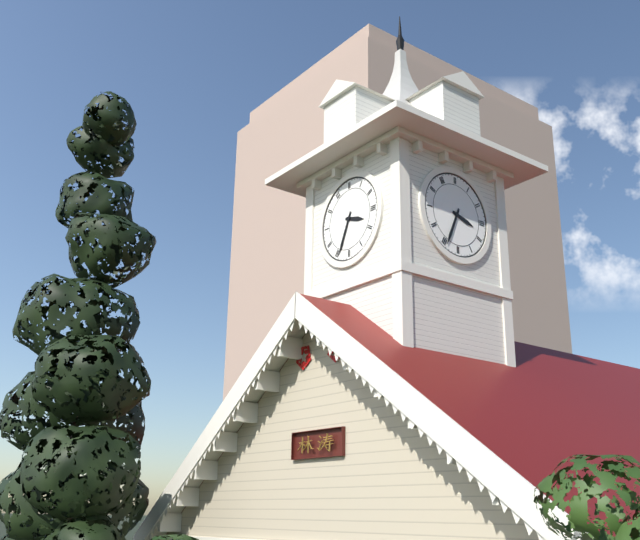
{"hour": 3, "minute": 34}
